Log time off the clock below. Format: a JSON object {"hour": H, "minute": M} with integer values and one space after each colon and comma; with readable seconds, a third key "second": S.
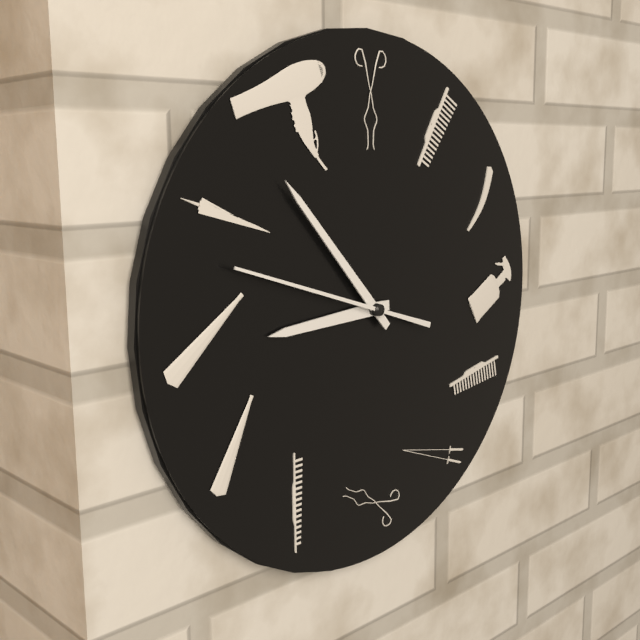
{"hour": 8, "minute": 53, "second": 48}
